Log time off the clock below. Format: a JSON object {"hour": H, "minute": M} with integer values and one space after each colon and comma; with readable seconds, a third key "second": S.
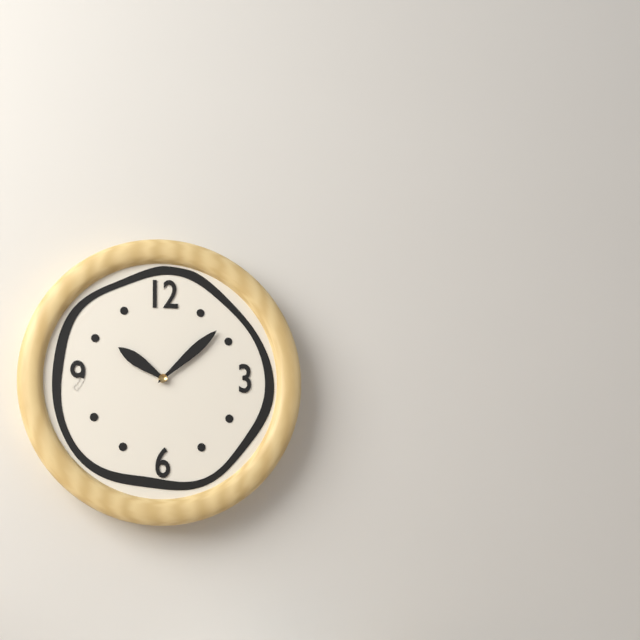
{"hour": 10, "minute": 8}
